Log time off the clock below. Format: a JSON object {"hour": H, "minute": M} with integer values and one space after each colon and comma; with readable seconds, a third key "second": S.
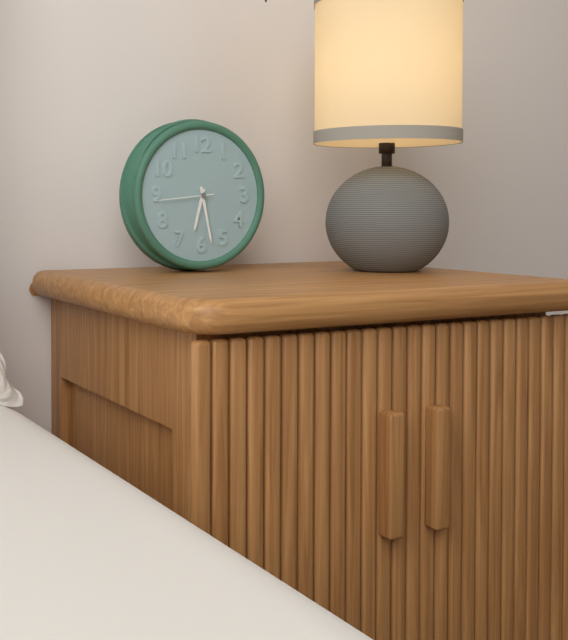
{"hour": 6, "minute": 28, "second": 44}
